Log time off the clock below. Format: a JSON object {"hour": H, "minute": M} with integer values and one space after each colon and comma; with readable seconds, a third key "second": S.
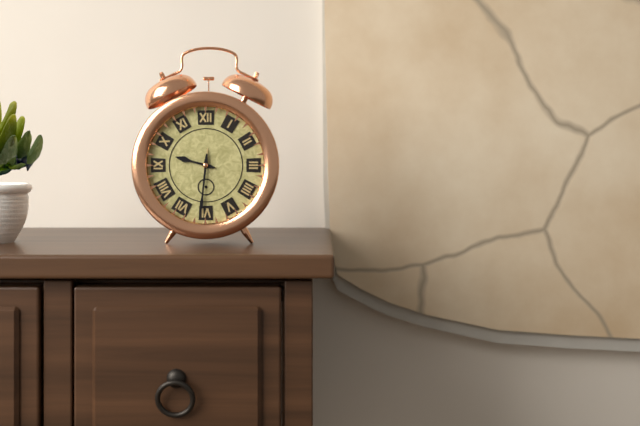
{"hour": 9, "minute": 31}
